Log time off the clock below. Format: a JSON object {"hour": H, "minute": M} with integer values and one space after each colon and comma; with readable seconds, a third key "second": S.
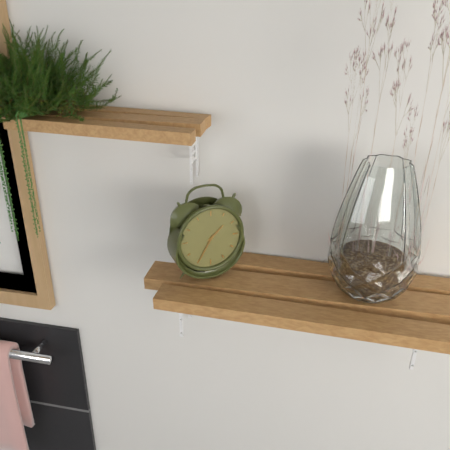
{"hour": 1, "minute": 35}
